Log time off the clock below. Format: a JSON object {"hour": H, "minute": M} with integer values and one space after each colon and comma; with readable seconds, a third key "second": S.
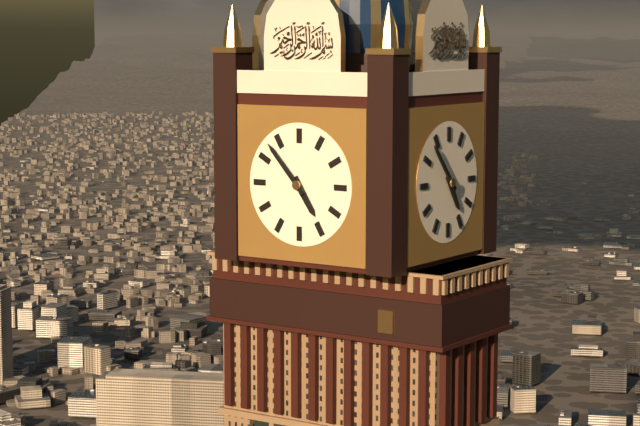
{"hour": 4, "minute": 53}
